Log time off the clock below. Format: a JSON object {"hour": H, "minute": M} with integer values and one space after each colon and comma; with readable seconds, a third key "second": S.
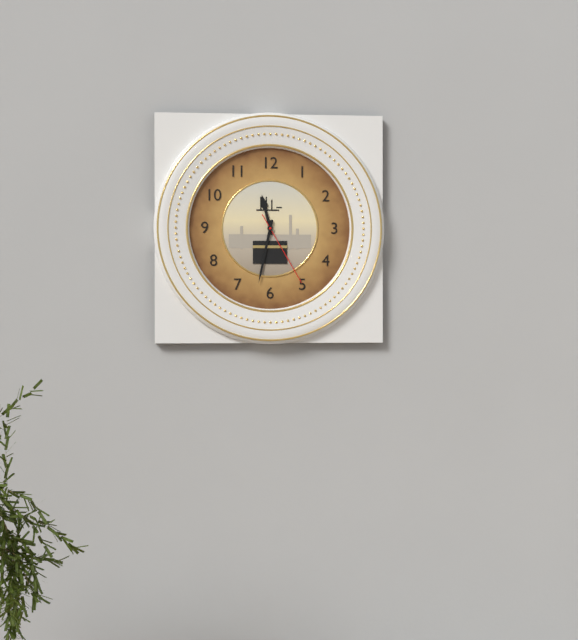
{"hour": 11, "minute": 32, "second": 25}
